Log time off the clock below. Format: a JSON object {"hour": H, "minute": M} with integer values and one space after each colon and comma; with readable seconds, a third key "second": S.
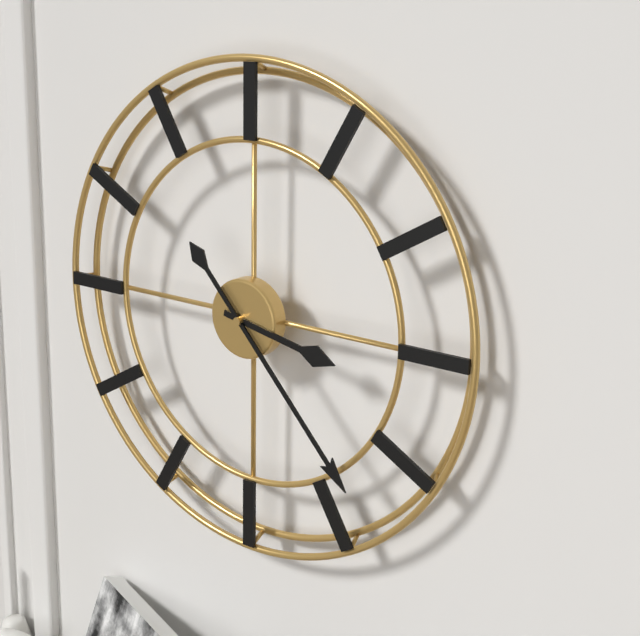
{"hour": 3, "minute": 23}
